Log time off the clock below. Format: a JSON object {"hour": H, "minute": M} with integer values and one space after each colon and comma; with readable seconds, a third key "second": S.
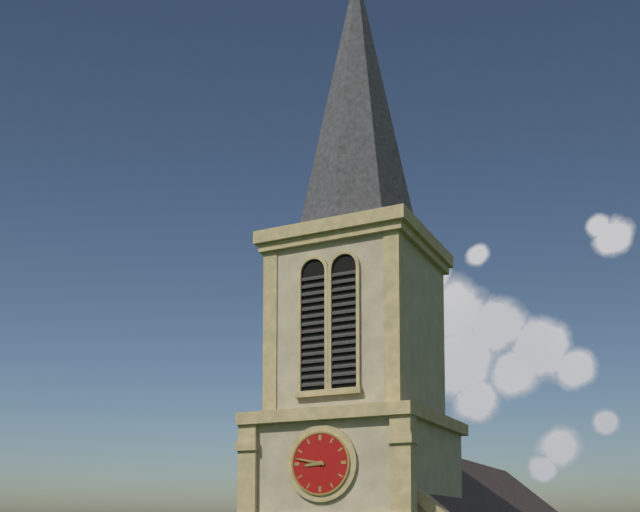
{"hour": 8, "minute": 47}
